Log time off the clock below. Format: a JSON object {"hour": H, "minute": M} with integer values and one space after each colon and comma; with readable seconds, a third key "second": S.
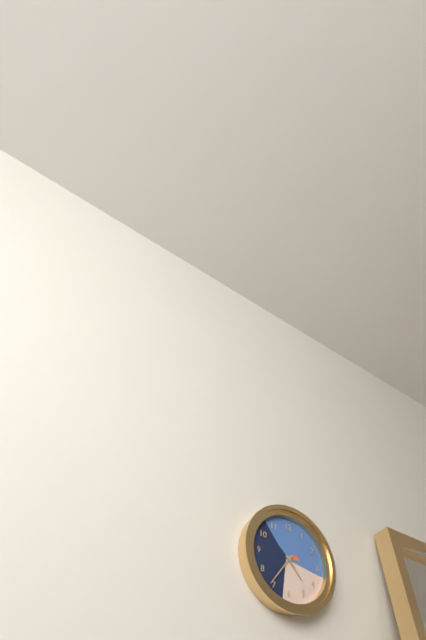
{"hour": 4, "minute": 36}
